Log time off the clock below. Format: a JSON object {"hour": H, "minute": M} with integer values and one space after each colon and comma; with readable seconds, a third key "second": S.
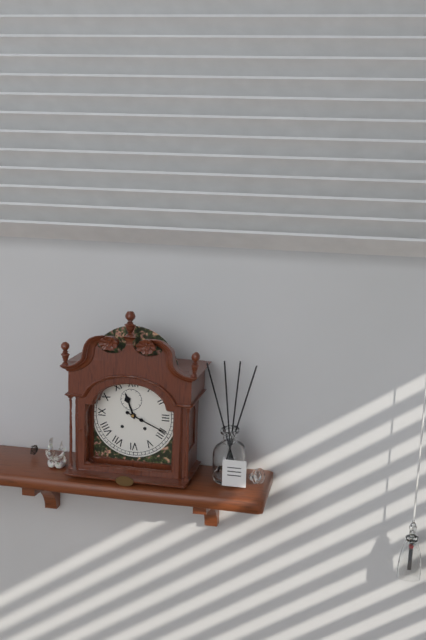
{"hour": 11, "minute": 19}
